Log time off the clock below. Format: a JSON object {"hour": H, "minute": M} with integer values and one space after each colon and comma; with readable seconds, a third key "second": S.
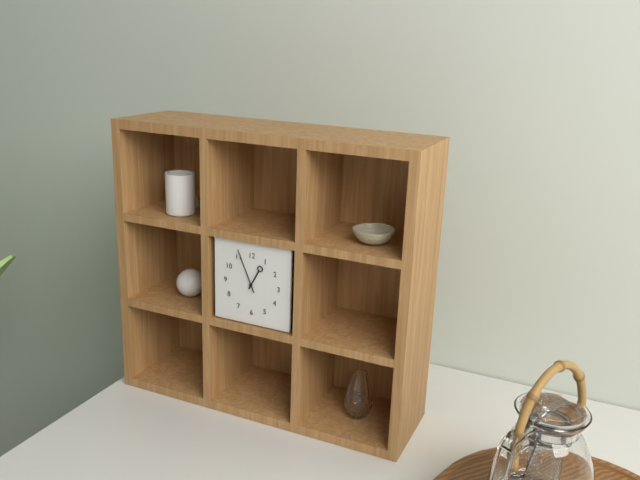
{"hour": 12, "minute": 56}
